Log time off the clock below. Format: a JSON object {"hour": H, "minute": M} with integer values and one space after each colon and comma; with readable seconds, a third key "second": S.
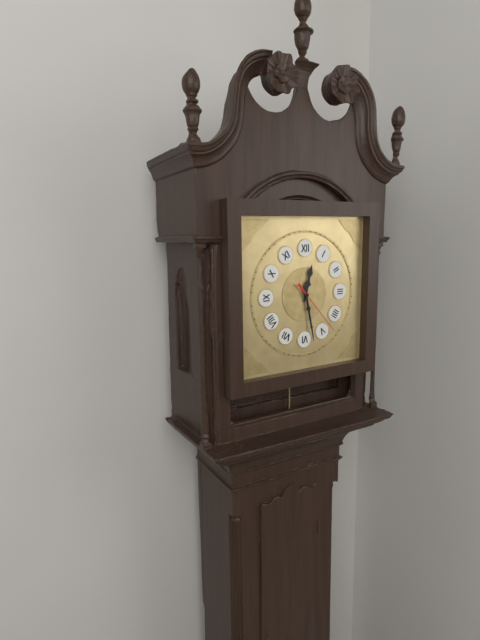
{"hour": 12, "minute": 28, "second": 23}
